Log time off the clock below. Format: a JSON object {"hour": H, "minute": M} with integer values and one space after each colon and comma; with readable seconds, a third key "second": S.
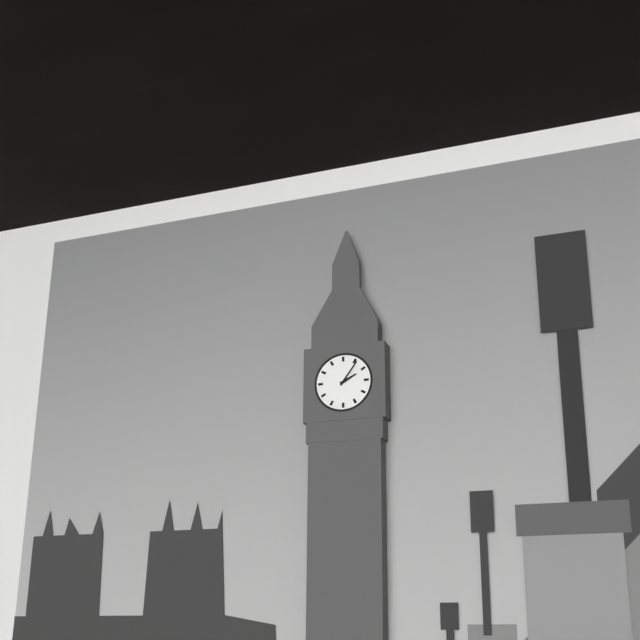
{"hour": 2, "minute": 6}
